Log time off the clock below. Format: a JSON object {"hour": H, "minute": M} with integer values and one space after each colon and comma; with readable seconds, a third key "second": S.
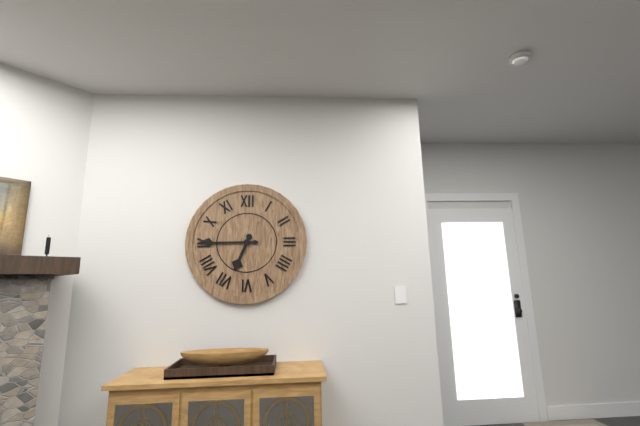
{"hour": 6, "minute": 45}
